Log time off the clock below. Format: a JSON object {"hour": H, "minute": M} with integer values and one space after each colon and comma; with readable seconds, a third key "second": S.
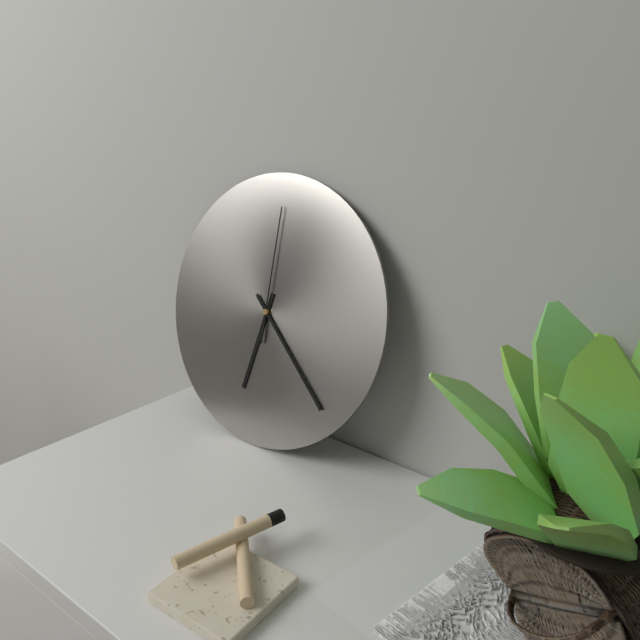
{"hour": 6, "minute": 22, "second": 0}
